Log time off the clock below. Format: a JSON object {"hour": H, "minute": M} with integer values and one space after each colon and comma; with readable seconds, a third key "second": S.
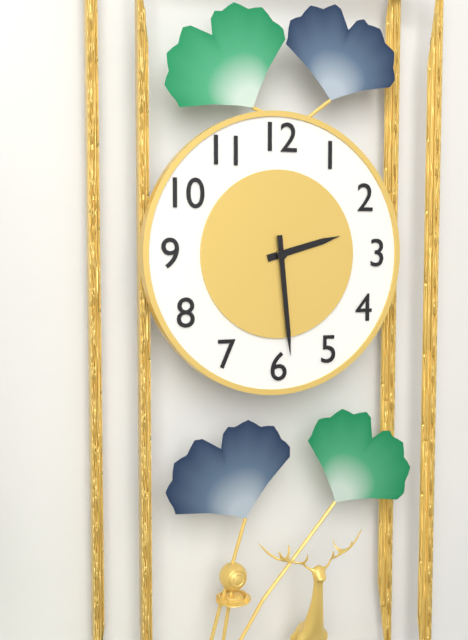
{"hour": 2, "minute": 29}
